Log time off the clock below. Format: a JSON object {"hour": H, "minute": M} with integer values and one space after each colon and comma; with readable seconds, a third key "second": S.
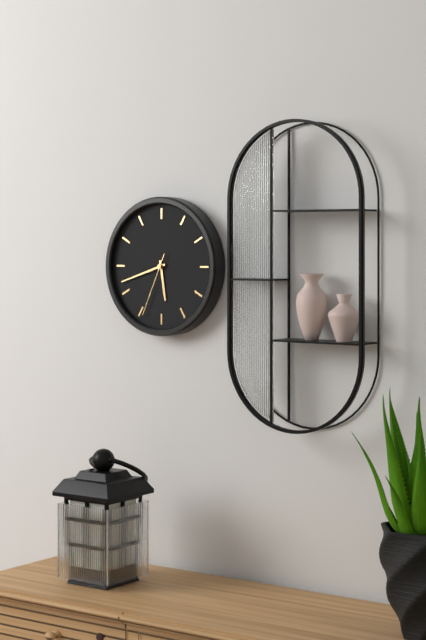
{"hour": 5, "minute": 42, "second": 34}
